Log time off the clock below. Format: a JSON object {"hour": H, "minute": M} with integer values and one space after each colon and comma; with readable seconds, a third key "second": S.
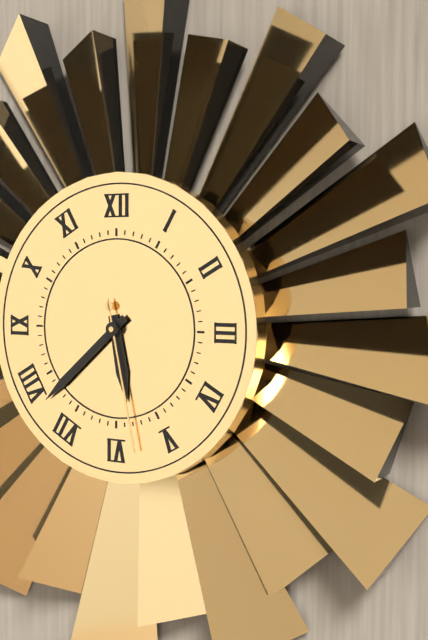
{"hour": 5, "minute": 38, "second": 28}
